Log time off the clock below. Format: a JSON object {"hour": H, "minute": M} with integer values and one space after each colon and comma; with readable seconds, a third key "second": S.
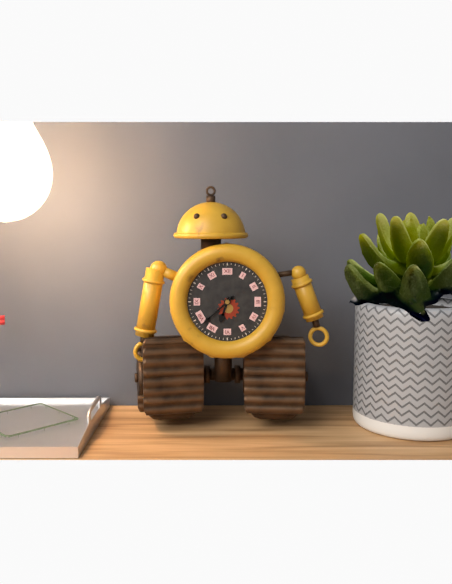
{"hour": 6, "minute": 38}
